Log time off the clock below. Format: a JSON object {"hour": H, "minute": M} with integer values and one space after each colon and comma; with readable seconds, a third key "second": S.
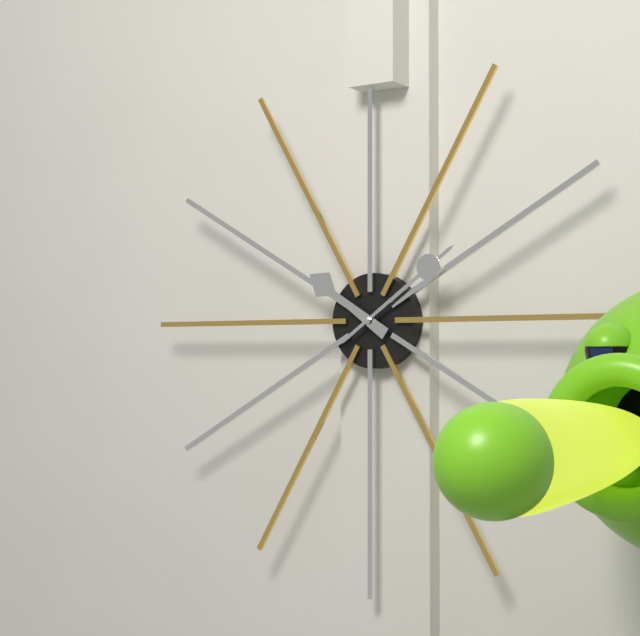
{"hour": 10, "minute": 9}
